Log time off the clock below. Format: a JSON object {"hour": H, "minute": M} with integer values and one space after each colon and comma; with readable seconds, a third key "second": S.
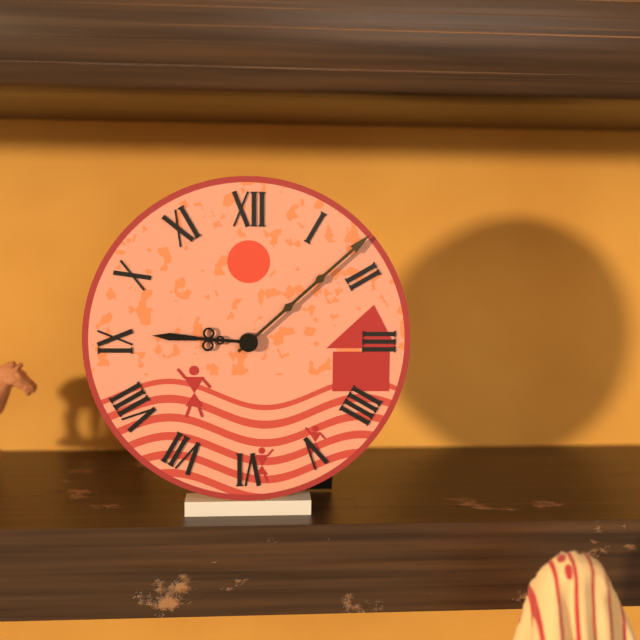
{"hour": 9, "minute": 8}
